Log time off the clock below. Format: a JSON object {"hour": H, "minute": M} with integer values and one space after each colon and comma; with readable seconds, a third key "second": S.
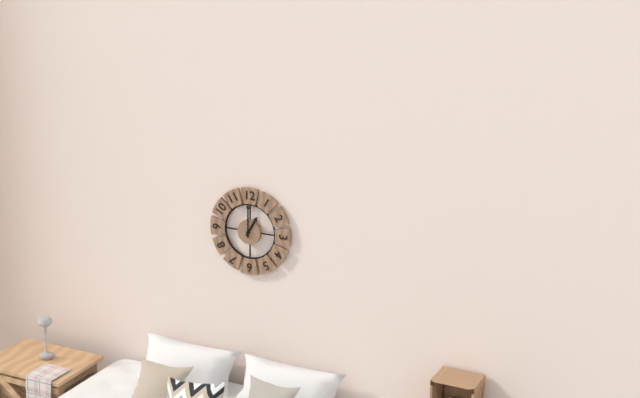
{"hour": 1, "minute": 0}
